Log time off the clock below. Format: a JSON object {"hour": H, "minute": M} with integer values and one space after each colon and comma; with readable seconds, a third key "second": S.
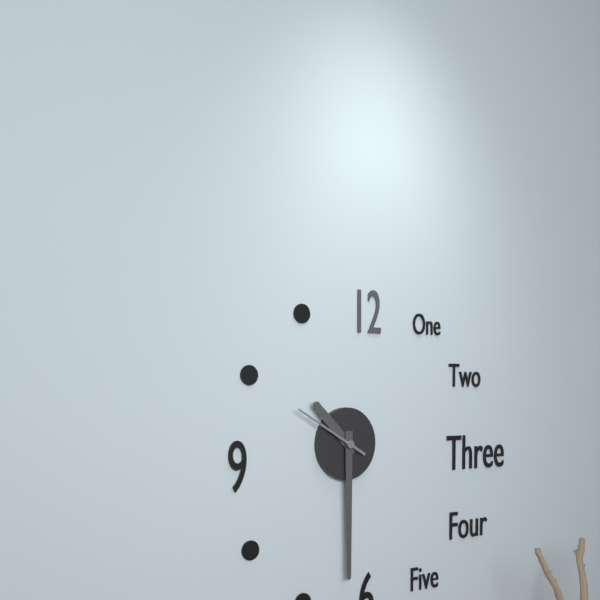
{"hour": 10, "minute": 30, "second": 50}
